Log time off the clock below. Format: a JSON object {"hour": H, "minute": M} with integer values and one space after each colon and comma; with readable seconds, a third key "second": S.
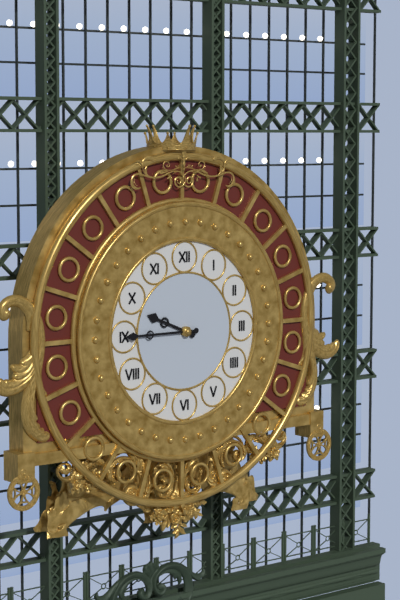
{"hour": 9, "minute": 45}
